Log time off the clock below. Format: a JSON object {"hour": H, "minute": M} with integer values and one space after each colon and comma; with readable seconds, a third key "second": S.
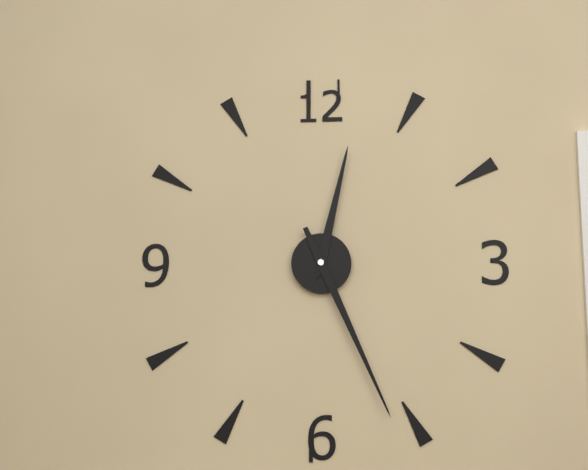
{"hour": 12, "minute": 26}
